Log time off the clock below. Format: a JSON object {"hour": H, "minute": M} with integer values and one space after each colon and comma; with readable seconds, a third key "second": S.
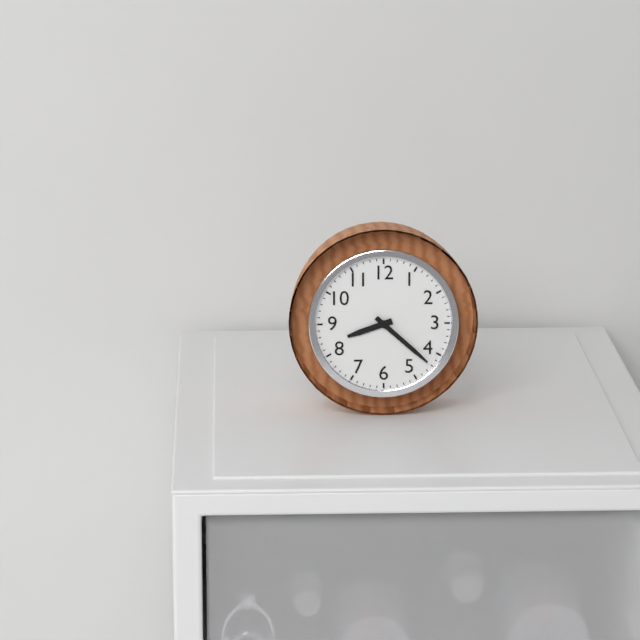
{"hour": 8, "minute": 22}
